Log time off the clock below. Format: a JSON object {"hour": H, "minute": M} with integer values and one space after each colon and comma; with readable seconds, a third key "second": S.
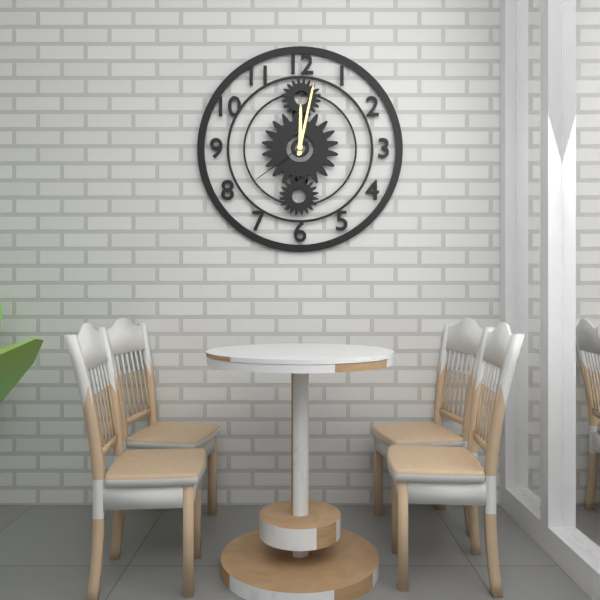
{"hour": 12, "minute": 2, "second": 39}
